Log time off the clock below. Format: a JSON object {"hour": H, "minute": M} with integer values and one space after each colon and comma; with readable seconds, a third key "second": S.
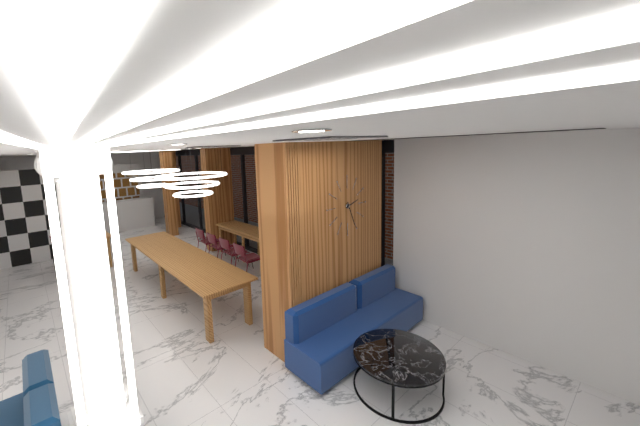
{"hour": 2, "minute": 26}
